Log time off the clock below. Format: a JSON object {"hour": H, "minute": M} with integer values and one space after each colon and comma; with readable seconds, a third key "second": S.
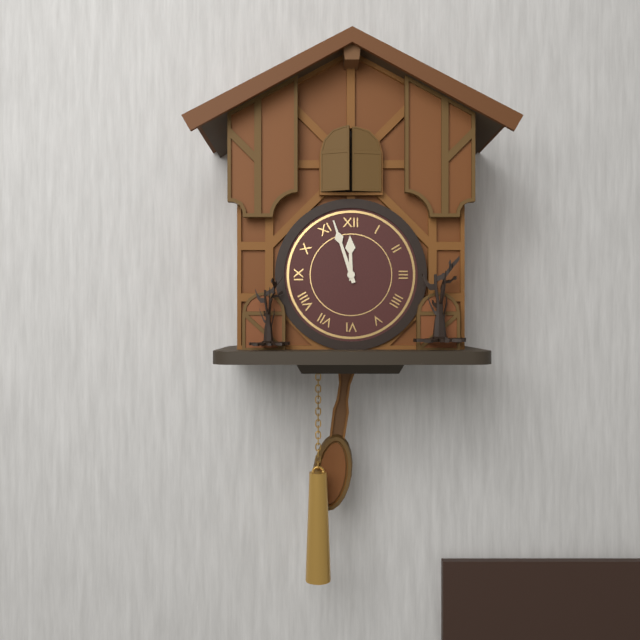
{"hour": 11, "minute": 57}
